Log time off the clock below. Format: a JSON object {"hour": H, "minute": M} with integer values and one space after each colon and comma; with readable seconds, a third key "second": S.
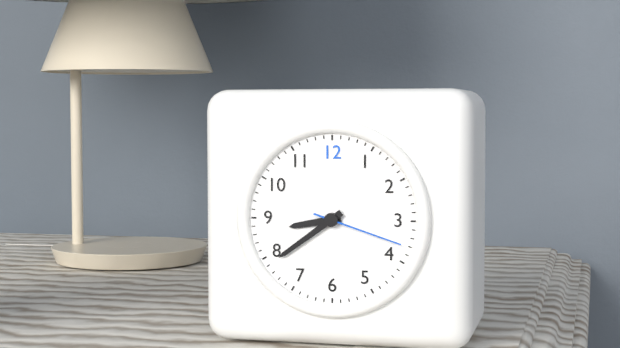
{"hour": 8, "minute": 39, "second": 18}
